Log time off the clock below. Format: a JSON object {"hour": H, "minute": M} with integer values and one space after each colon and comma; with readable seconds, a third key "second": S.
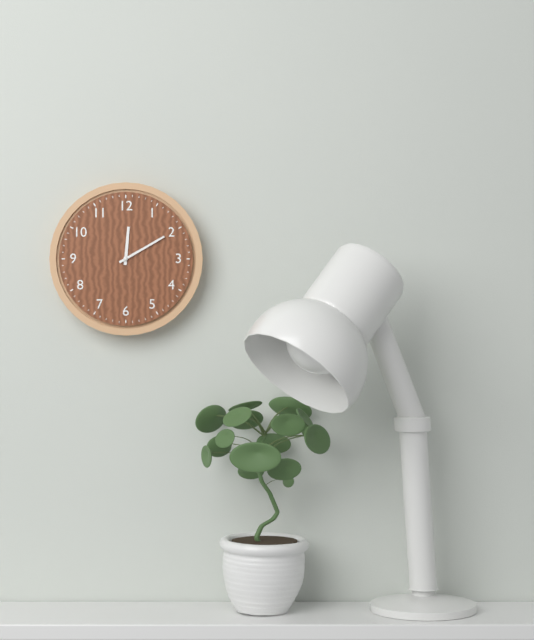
{"hour": 12, "minute": 10}
